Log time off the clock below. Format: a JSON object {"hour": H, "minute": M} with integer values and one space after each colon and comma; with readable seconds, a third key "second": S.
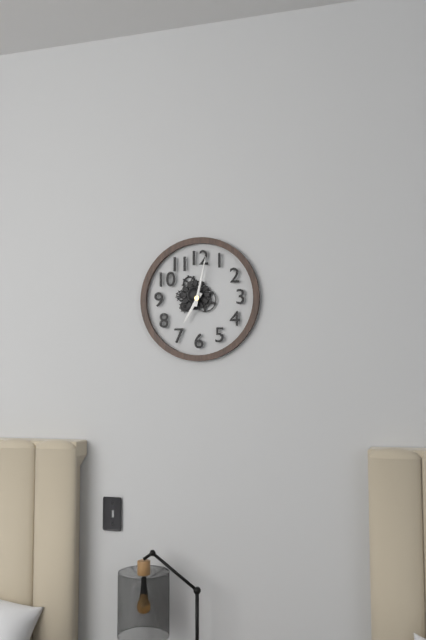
{"hour": 7, "minute": 2}
